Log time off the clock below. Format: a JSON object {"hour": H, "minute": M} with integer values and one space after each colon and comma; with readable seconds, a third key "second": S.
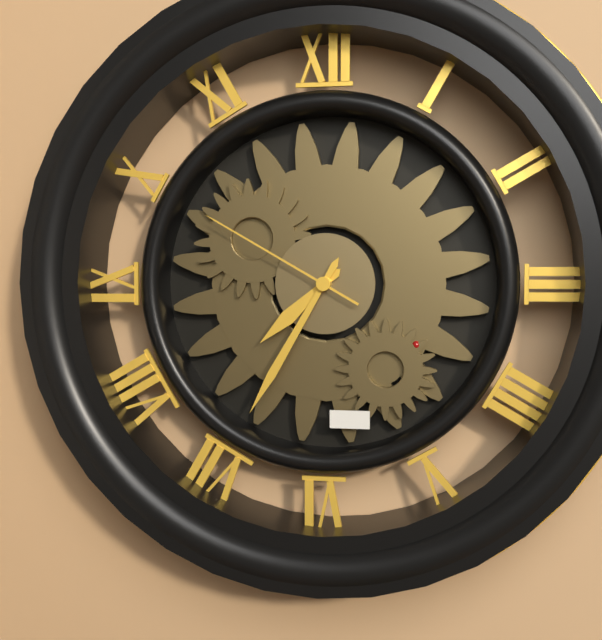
{"hour": 7, "minute": 35, "second": 50}
